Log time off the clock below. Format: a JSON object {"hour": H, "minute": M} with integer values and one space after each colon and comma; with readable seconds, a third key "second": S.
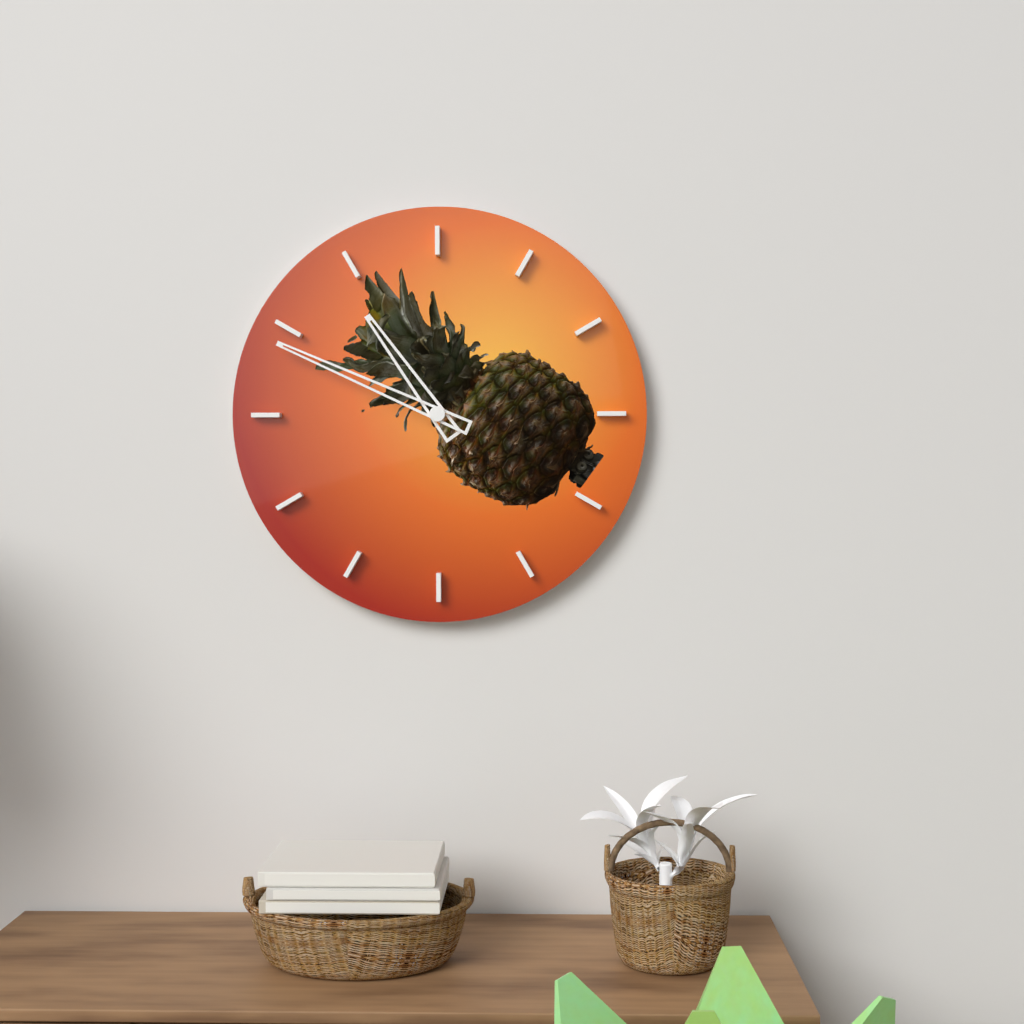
{"hour": 10, "minute": 49}
